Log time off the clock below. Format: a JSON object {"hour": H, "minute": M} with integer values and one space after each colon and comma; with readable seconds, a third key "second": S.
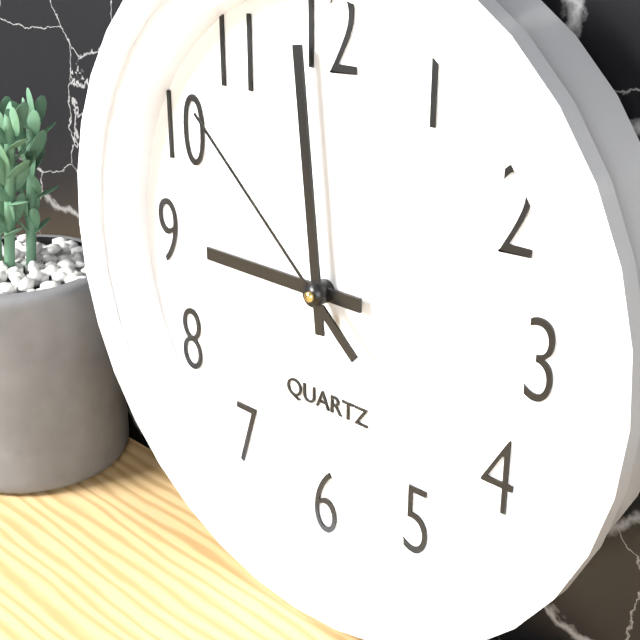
{"hour": 8, "minute": 59, "second": 52}
